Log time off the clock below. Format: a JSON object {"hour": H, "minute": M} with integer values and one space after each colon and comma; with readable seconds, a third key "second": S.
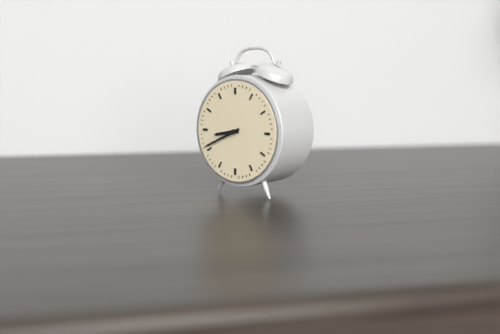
{"hour": 8, "minute": 41}
